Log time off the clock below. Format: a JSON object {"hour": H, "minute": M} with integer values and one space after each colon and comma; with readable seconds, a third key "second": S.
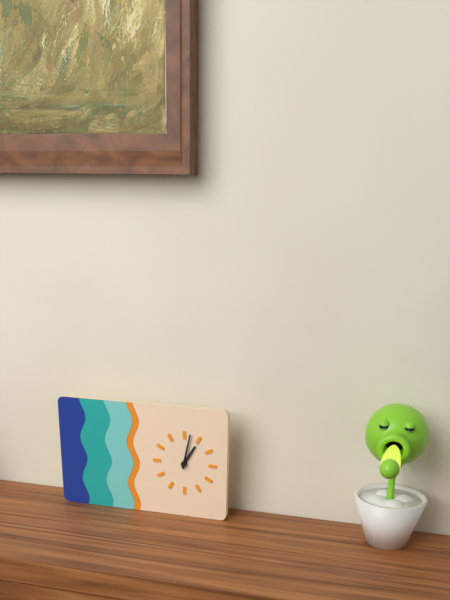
{"hour": 1, "minute": 2}
